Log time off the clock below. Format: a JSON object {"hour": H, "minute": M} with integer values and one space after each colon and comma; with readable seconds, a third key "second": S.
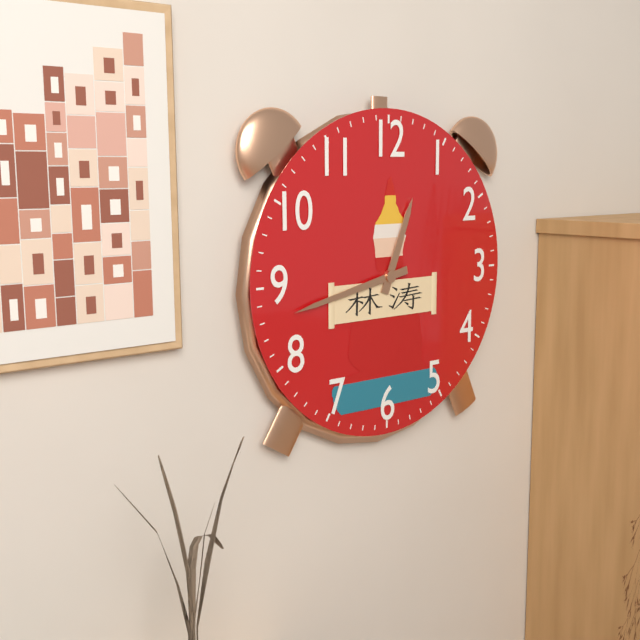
{"hour": 12, "minute": 43}
